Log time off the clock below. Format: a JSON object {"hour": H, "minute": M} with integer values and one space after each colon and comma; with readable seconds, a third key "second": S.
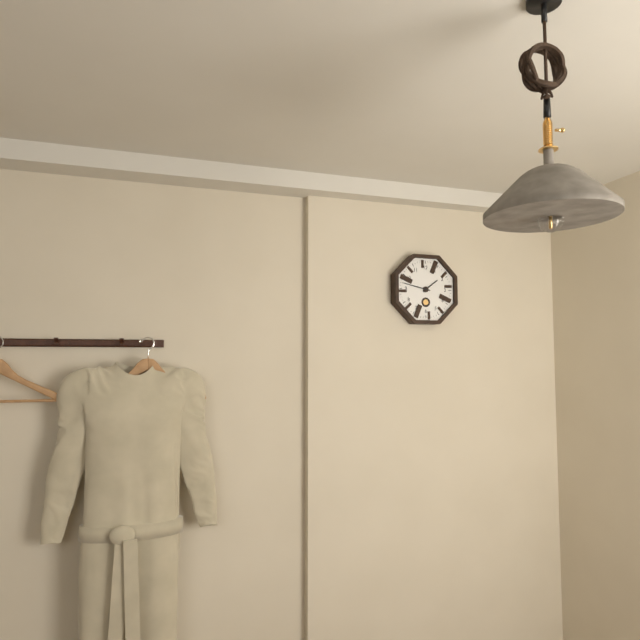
{"hour": 1, "minute": 47}
